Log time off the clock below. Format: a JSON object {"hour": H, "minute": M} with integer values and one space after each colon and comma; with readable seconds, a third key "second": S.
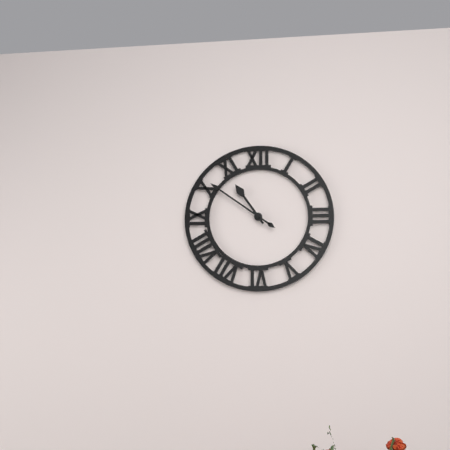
{"hour": 10, "minute": 51}
